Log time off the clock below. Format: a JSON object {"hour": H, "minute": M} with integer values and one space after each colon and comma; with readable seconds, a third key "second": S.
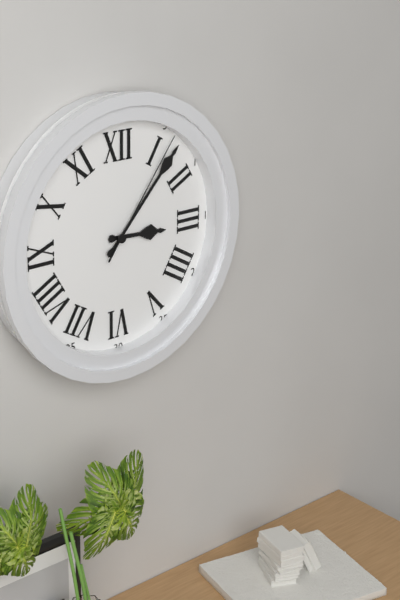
{"hour": 3, "minute": 7, "second": 6}
